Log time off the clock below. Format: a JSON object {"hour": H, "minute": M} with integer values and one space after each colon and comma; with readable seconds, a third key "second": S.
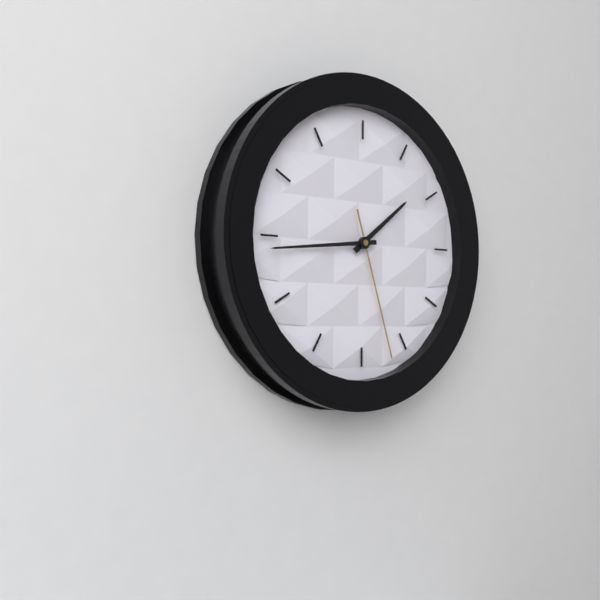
{"hour": 1, "minute": 44, "second": 27}
